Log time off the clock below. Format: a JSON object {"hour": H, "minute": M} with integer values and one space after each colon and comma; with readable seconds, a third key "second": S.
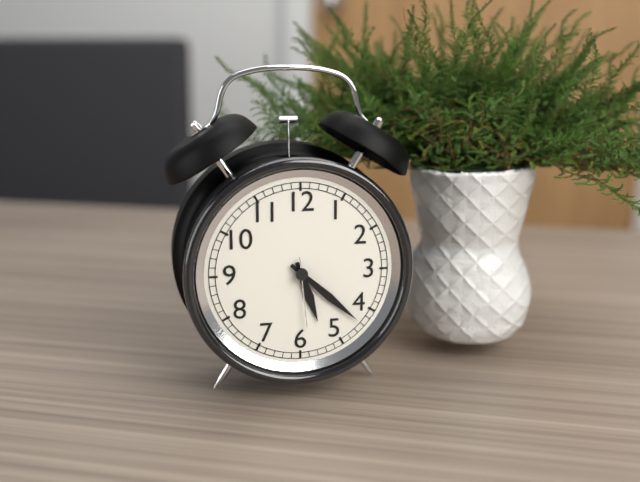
{"hour": 5, "minute": 22, "second": 29}
